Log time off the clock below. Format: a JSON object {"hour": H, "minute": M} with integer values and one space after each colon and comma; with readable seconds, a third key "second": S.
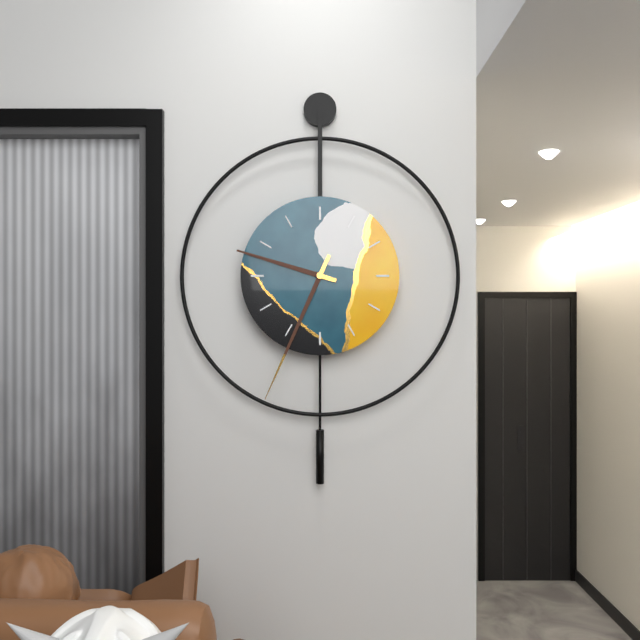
{"hour": 9, "minute": 34}
